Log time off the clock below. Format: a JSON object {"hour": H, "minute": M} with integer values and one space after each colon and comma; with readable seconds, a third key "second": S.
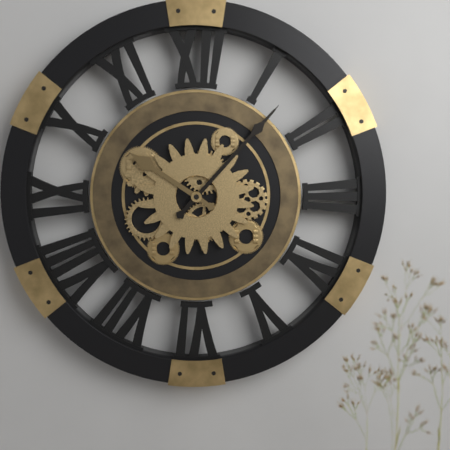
{"hour": 10, "minute": 7}
